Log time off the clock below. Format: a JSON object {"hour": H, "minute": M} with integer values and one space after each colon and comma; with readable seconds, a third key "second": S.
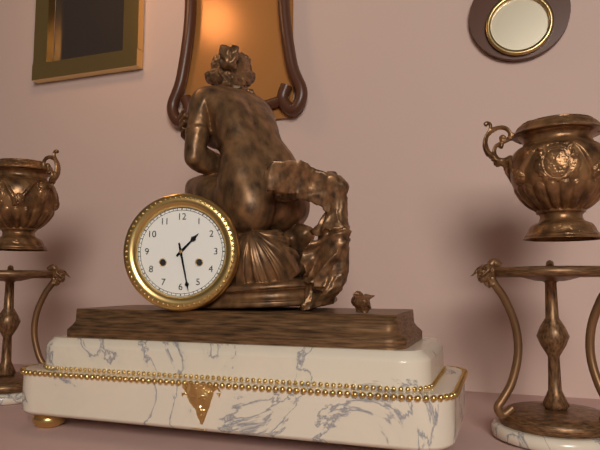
{"hour": 1, "minute": 28}
